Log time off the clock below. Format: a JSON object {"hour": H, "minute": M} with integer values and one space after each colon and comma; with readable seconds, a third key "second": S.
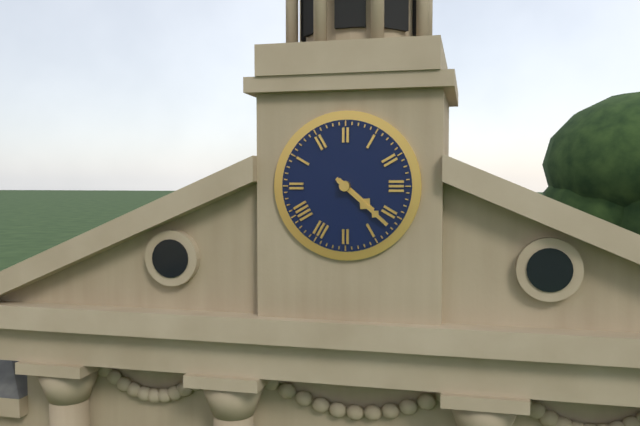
{"hour": 4, "minute": 22}
